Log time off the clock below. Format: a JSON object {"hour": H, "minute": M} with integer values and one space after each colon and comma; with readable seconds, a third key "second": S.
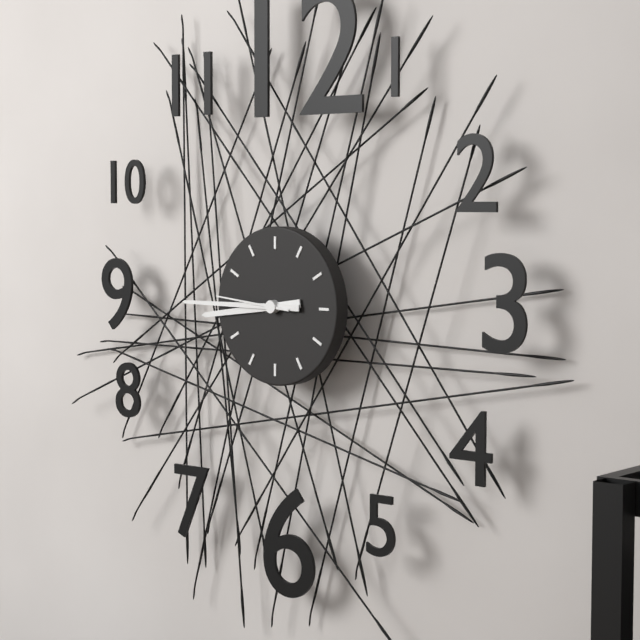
{"hour": 8, "minute": 45, "second": 46}
